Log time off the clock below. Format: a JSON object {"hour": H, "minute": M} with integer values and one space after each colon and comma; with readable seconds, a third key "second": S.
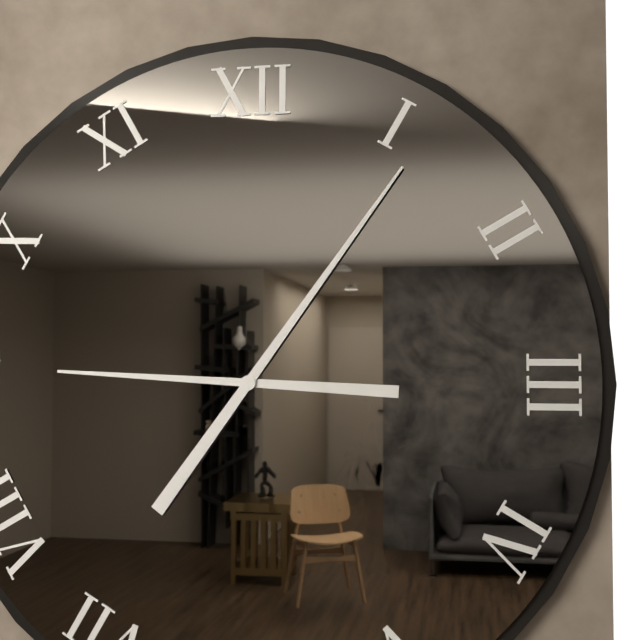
{"hour": 9, "minute": 6}
